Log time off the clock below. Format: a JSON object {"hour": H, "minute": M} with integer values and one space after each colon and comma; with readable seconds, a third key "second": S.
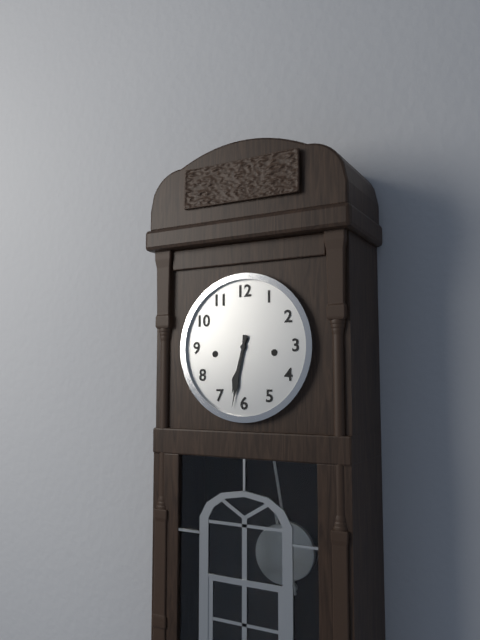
{"hour": 6, "minute": 32}
